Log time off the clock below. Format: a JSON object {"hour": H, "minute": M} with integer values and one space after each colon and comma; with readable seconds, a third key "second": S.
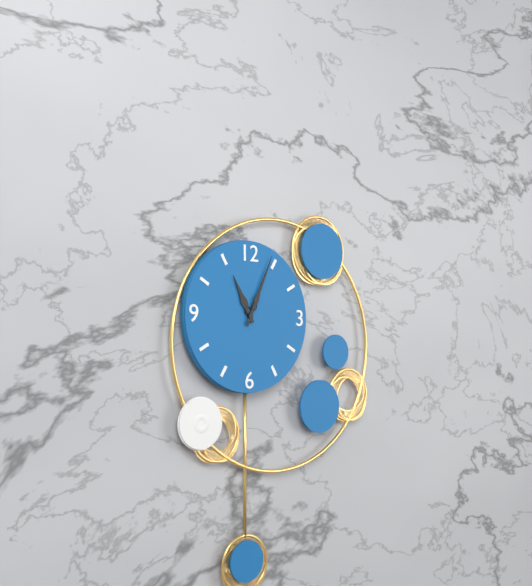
{"hour": 11, "minute": 4}
